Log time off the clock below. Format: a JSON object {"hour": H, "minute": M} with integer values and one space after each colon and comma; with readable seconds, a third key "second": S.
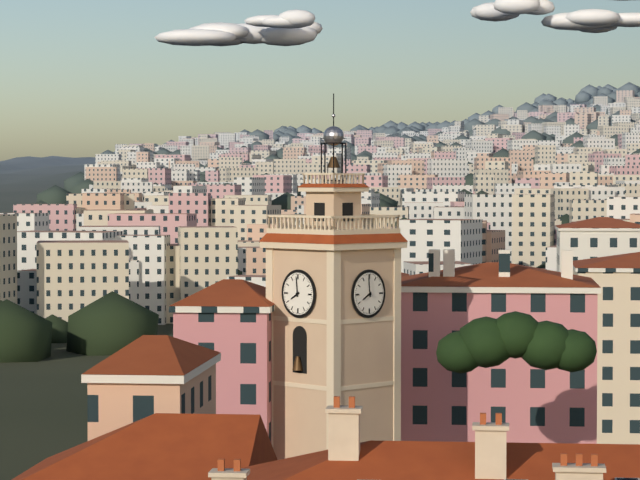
{"hour": 7, "minute": 59}
